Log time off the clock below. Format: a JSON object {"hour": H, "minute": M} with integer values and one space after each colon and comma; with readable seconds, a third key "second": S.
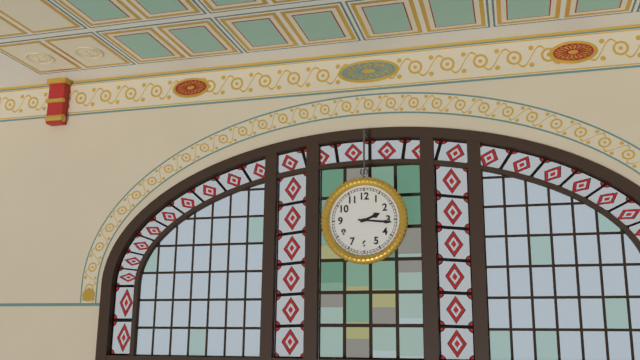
{"hour": 2, "minute": 16}
